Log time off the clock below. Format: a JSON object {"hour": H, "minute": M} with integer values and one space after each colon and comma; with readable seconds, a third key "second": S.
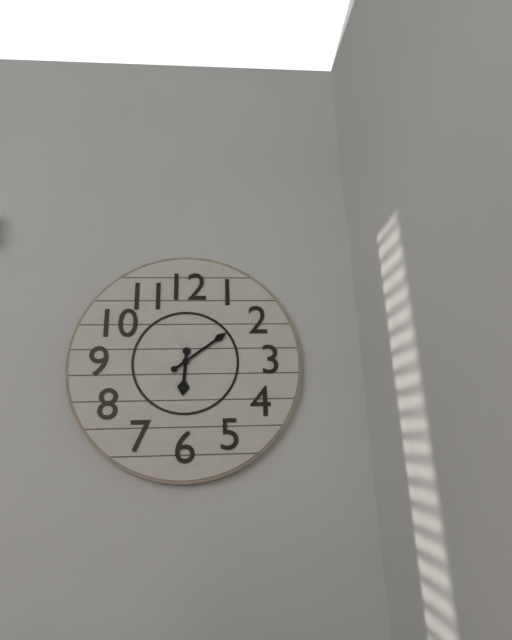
{"hour": 6, "minute": 9}
